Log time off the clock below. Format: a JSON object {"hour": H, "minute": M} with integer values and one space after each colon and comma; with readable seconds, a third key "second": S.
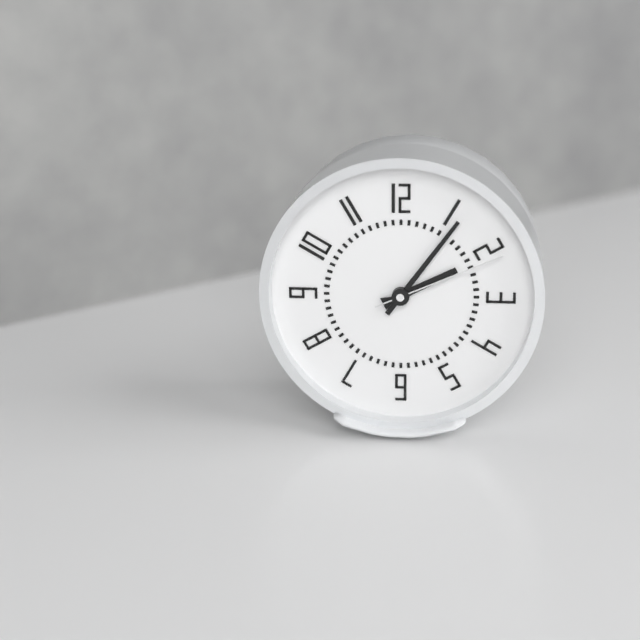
{"hour": 2, "minute": 6, "second": 11}
